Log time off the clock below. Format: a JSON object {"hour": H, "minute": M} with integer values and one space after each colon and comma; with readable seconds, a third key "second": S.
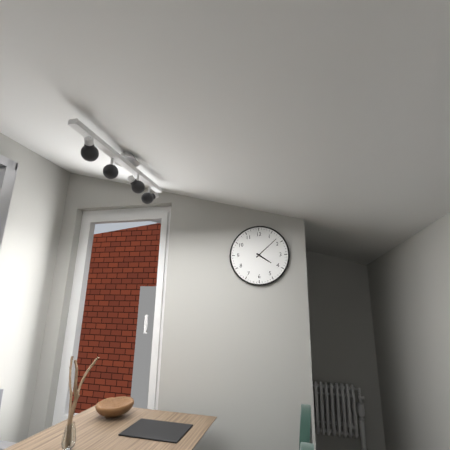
{"hour": 4, "minute": 8}
